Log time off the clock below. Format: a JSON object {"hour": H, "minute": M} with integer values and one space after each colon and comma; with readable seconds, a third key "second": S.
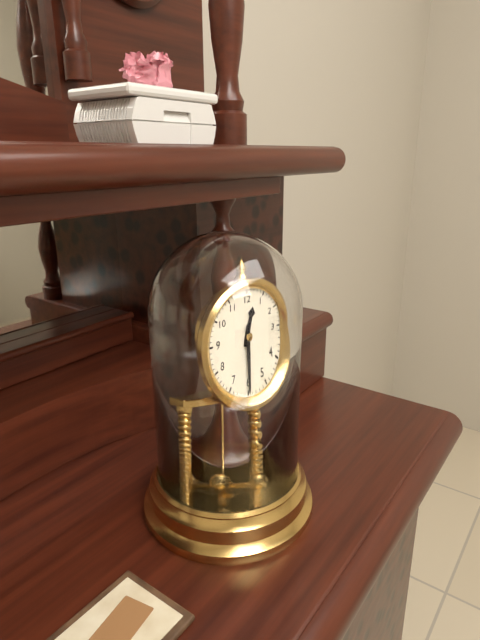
{"hour": 12, "minute": 30}
